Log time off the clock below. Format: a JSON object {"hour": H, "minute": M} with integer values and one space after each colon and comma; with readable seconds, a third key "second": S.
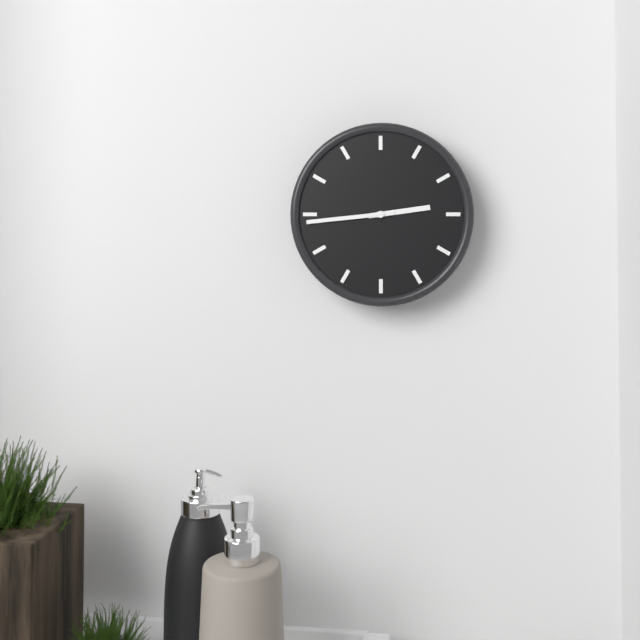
{"hour": 2, "minute": 44}
